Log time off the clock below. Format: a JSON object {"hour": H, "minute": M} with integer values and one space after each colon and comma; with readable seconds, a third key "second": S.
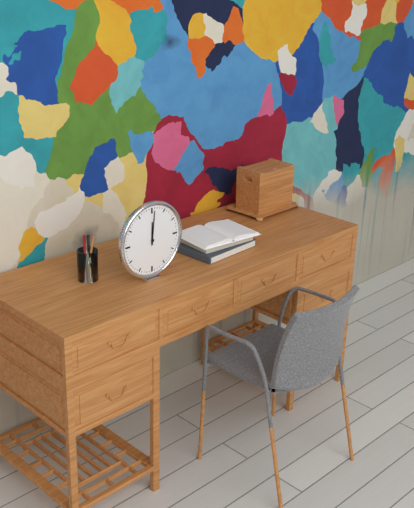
{"hour": 12, "minute": 1}
